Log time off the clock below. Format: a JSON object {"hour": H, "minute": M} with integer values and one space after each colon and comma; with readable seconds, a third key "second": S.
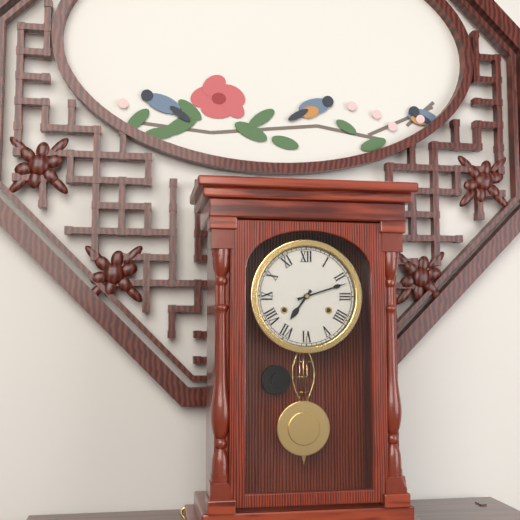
{"hour": 7, "minute": 12}
